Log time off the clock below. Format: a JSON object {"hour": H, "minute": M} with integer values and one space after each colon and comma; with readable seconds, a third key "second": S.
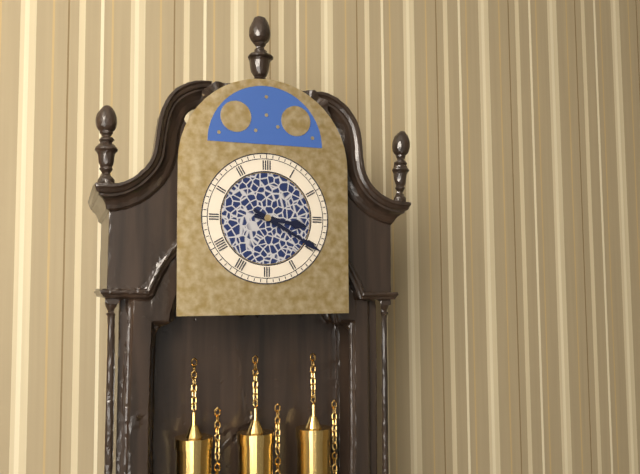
{"hour": 3, "minute": 20}
